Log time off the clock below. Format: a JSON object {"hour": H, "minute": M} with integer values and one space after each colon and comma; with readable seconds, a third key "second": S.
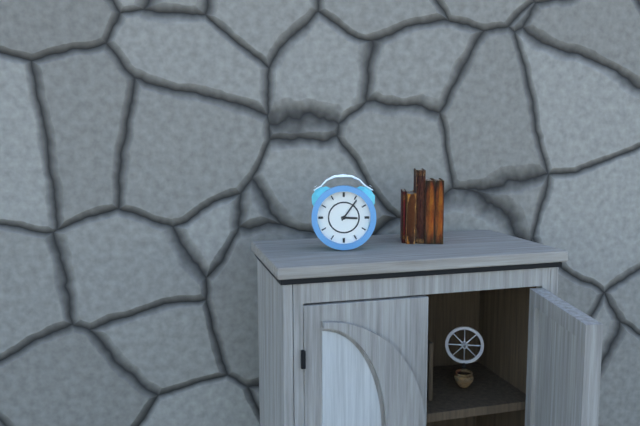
{"hour": 3, "minute": 6}
